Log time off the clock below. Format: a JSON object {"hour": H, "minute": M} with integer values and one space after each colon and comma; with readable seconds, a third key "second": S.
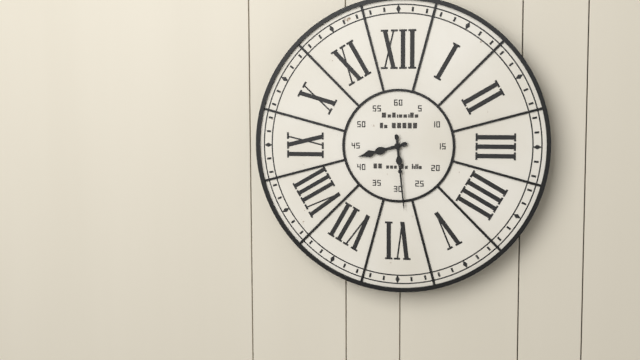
{"hour": 8, "minute": 29}
